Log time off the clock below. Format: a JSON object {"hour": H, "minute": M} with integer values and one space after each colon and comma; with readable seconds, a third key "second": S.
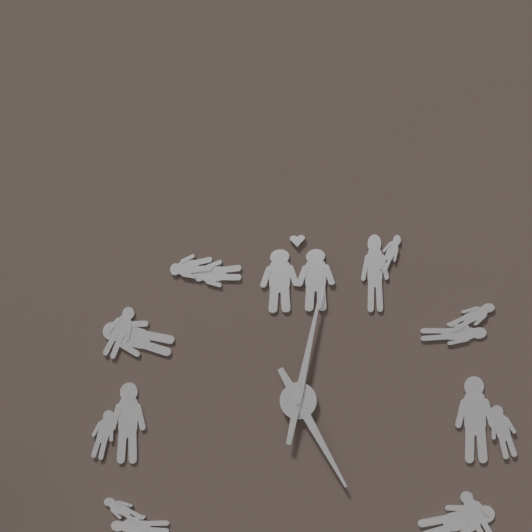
{"hour": 5, "minute": 2}
